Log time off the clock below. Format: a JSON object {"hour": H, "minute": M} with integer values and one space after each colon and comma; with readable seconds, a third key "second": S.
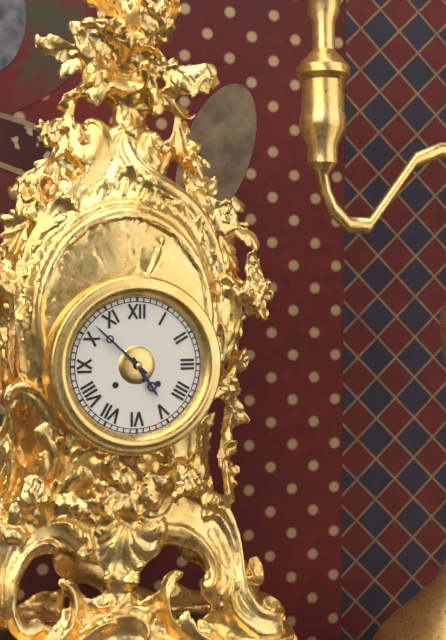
{"hour": 4, "minute": 52}
